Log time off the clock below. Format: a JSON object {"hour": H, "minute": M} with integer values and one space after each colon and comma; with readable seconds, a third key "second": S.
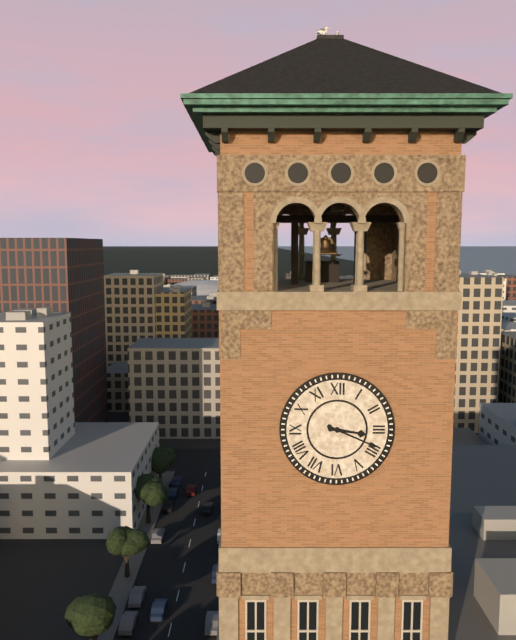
{"hour": 3, "minute": 19}
